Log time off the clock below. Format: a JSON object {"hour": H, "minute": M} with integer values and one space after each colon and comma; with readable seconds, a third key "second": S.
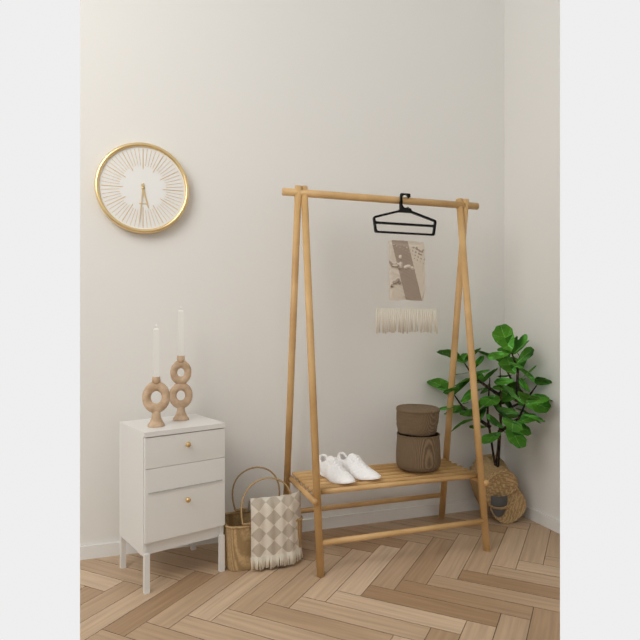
{"hour": 5, "minute": 31}
